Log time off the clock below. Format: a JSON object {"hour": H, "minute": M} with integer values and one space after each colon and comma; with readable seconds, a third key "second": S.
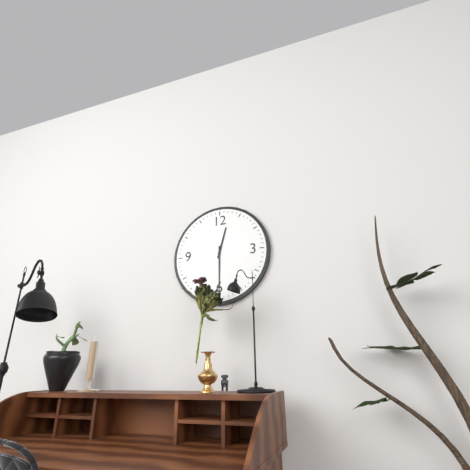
{"hour": 12, "minute": 30}
